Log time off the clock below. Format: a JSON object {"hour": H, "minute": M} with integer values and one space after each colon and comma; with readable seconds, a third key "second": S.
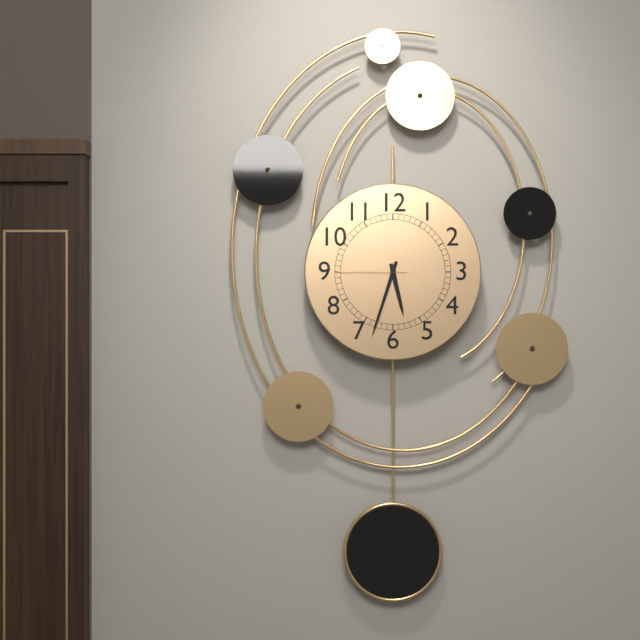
{"hour": 5, "minute": 33, "second": 45}
